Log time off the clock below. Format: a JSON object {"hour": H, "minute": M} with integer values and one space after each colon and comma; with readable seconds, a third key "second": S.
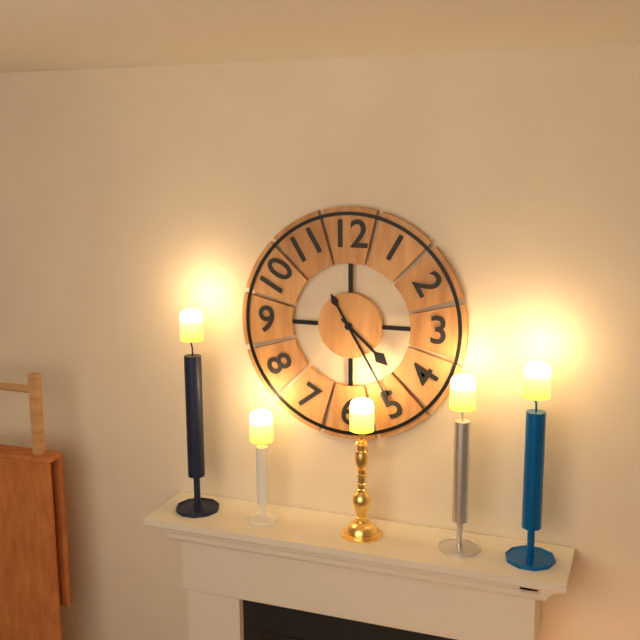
{"hour": 4, "minute": 25}
